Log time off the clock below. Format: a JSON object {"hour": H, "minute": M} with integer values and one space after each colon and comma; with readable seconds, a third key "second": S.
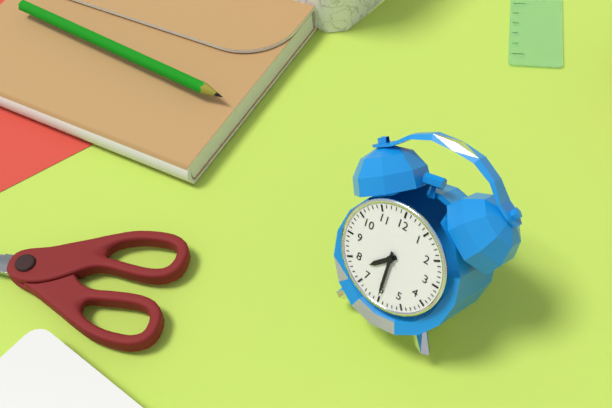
{"hour": 7, "minute": 30}
